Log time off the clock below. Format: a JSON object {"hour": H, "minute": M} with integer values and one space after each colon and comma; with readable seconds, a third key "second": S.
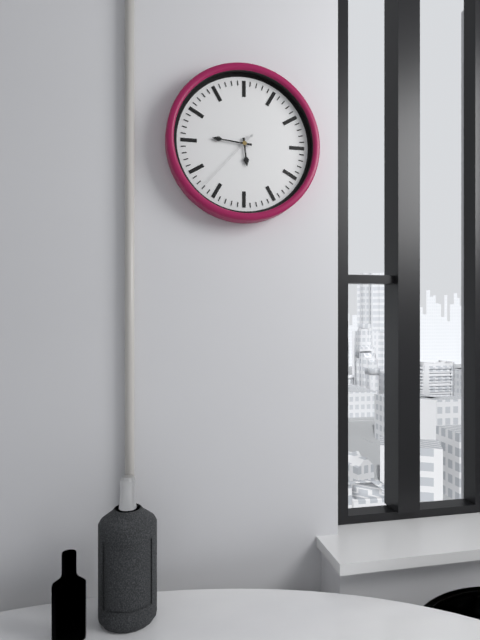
{"hour": 5, "minute": 46, "second": 37}
